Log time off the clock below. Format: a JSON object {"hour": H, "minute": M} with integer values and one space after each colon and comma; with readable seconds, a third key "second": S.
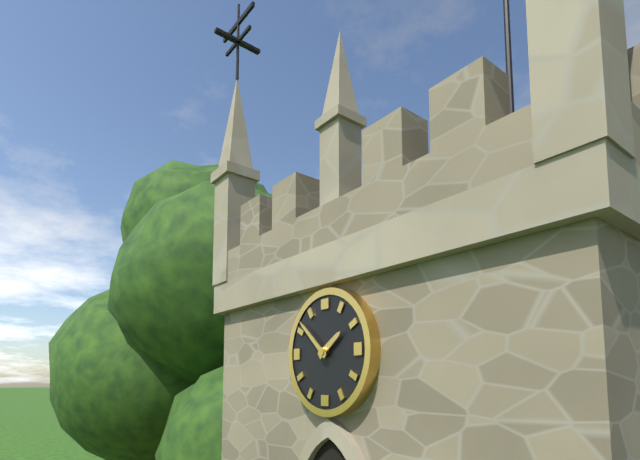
{"hour": 1, "minute": 52}
